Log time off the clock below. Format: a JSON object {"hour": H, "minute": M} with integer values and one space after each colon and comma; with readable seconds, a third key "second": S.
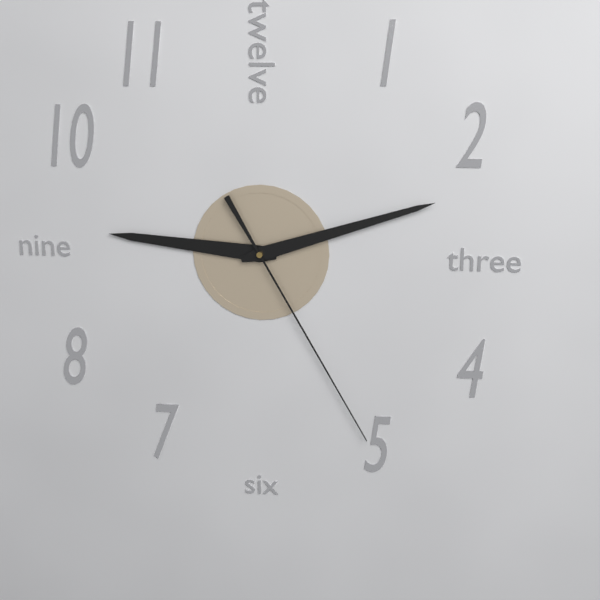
{"hour": 9, "minute": 12, "second": 25}
